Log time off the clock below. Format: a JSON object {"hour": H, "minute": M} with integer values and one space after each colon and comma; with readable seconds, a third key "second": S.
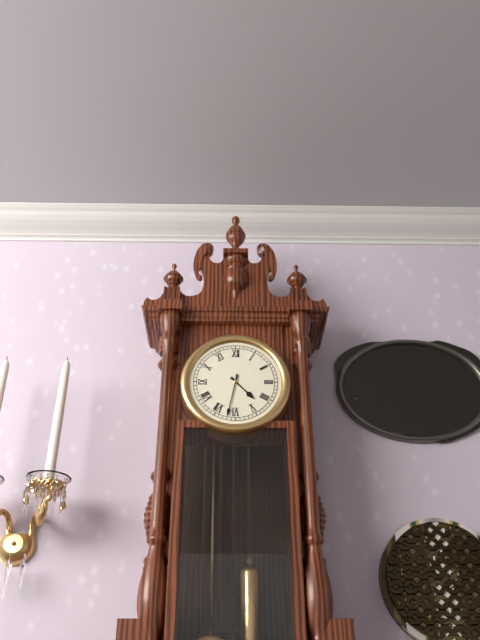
{"hour": 4, "minute": 32}
